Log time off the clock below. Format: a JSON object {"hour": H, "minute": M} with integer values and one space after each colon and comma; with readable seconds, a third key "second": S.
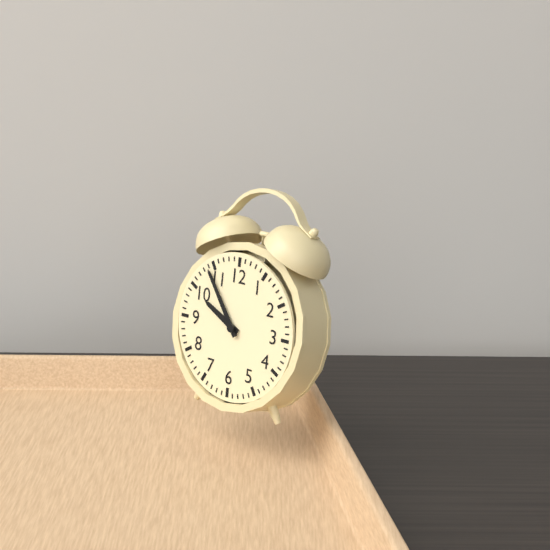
{"hour": 9, "minute": 54}
